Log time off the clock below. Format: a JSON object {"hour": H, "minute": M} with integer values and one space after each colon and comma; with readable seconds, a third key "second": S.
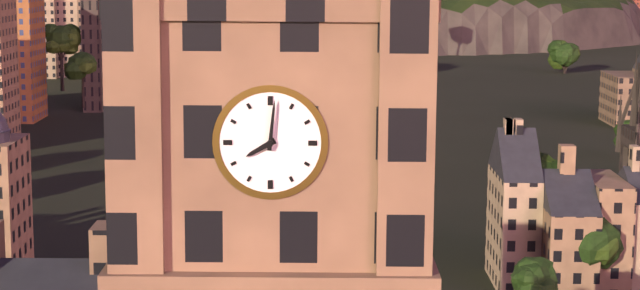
{"hour": 8, "minute": 1}
